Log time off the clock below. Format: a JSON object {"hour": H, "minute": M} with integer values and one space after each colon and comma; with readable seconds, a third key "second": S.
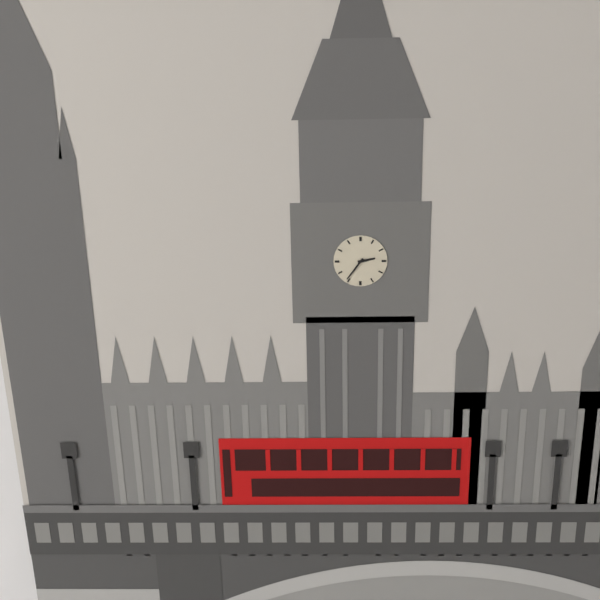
{"hour": 2, "minute": 36}
